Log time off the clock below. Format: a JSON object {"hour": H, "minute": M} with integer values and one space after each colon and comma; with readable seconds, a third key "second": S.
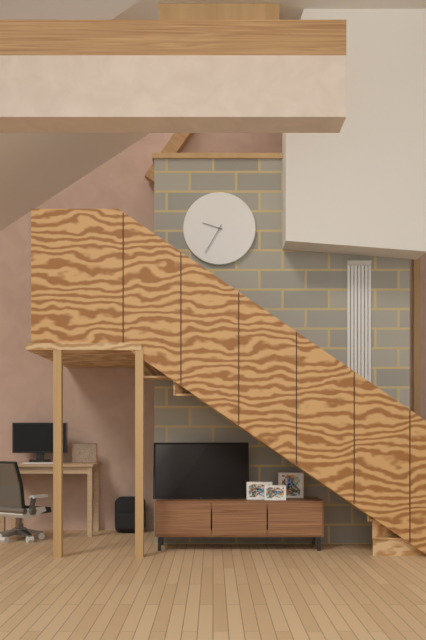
{"hour": 9, "minute": 35}
